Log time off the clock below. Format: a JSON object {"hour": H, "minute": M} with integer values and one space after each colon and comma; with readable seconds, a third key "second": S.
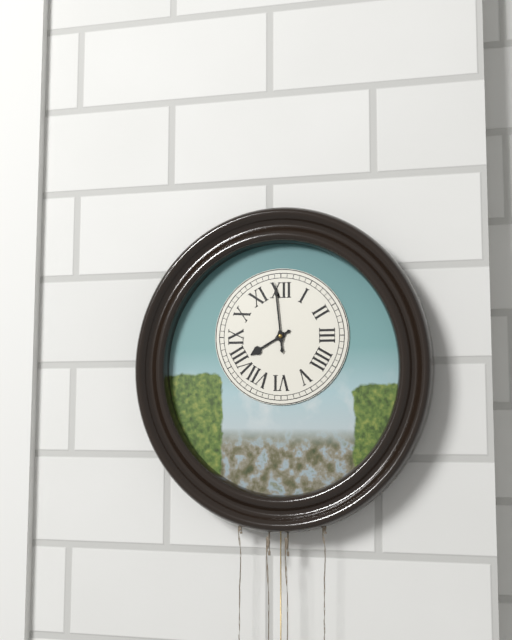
{"hour": 7, "minute": 59}
